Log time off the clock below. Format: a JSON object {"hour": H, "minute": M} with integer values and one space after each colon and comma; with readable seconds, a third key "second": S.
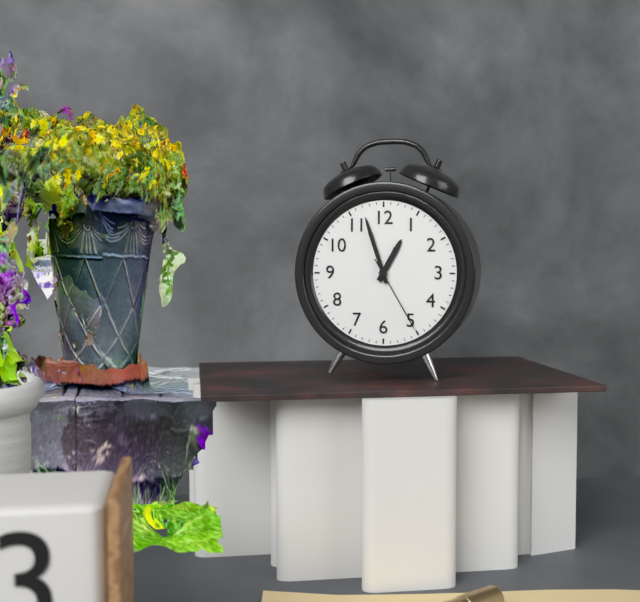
{"hour": 12, "minute": 57, "second": 25}
